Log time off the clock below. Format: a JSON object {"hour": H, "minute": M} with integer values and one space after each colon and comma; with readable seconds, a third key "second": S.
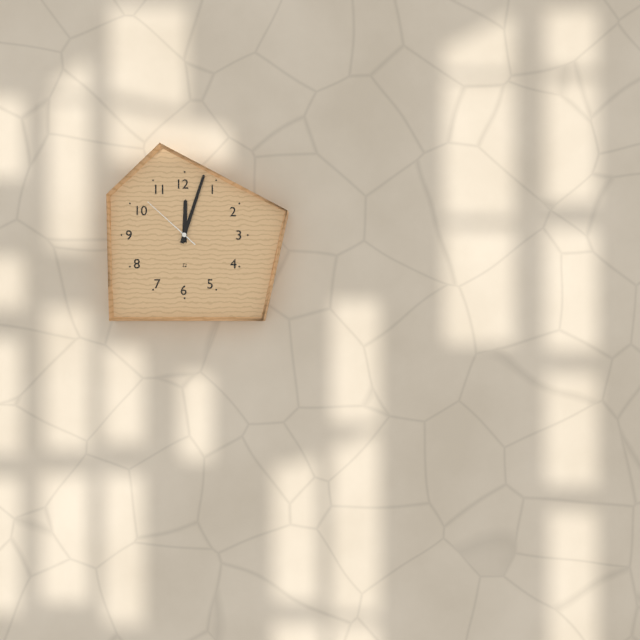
{"hour": 12, "minute": 3, "second": 52}
